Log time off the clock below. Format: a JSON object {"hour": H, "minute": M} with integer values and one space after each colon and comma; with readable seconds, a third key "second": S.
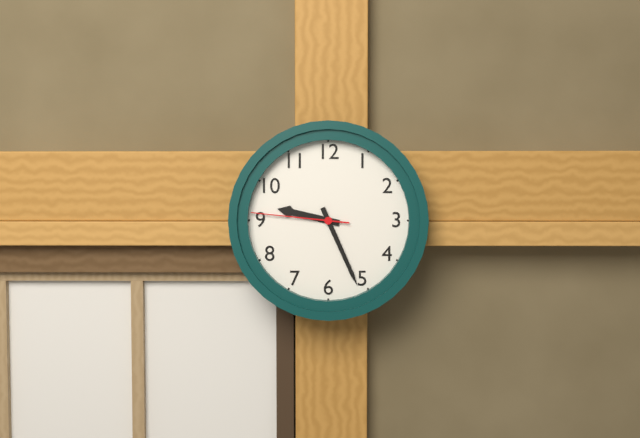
{"hour": 9, "minute": 26, "second": 46}
